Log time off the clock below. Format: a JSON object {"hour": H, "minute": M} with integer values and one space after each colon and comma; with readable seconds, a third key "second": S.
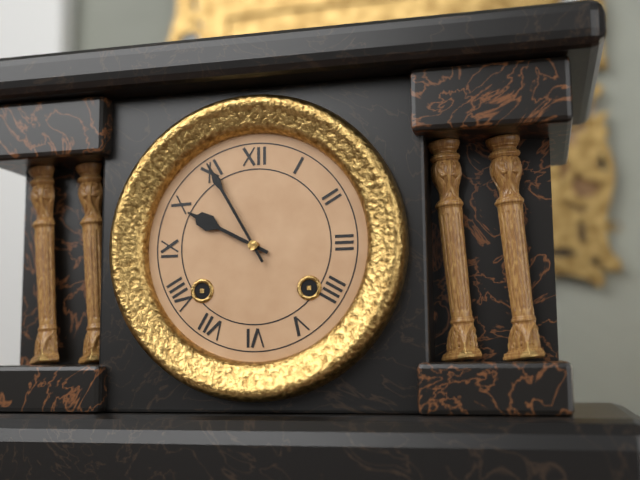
{"hour": 9, "minute": 55}
